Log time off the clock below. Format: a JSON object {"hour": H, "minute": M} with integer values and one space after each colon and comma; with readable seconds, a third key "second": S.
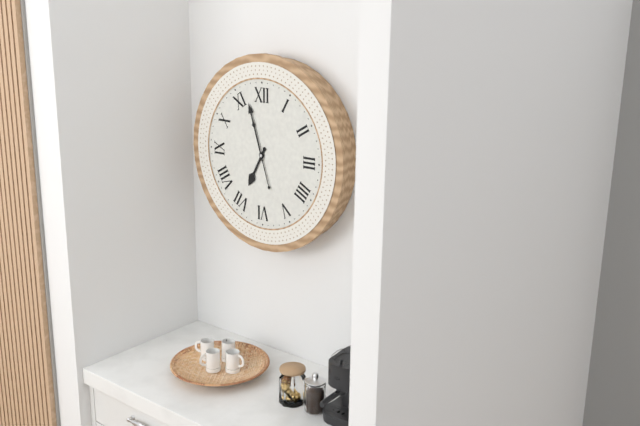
{"hour": 6, "minute": 57}
